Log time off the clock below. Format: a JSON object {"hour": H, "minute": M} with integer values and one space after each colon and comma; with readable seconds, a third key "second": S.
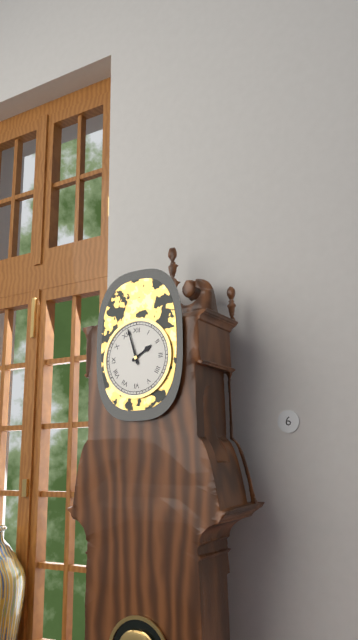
{"hour": 1, "minute": 57}
